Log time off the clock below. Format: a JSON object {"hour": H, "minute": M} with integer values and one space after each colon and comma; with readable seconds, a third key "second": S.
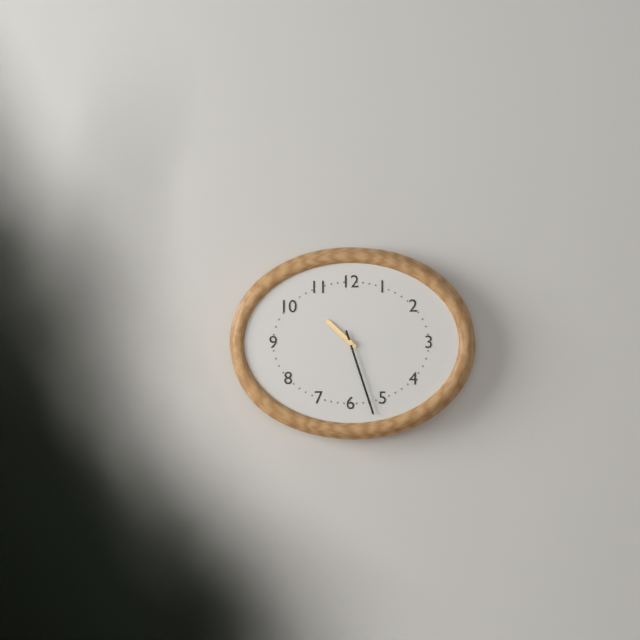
{"hour": 10, "minute": 27}
